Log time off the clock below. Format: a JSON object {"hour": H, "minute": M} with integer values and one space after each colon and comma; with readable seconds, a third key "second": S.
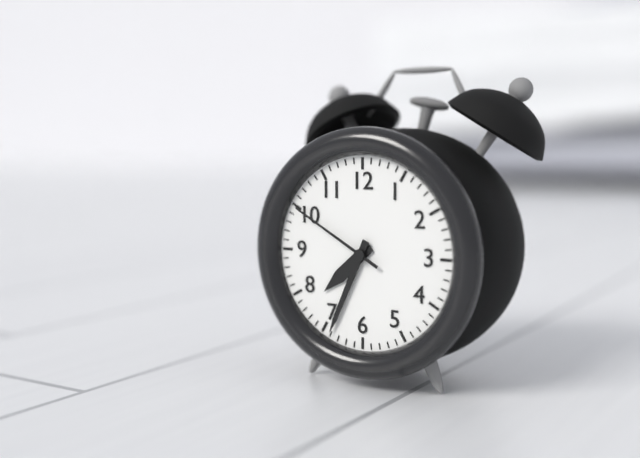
{"hour": 7, "minute": 34, "second": 50}
